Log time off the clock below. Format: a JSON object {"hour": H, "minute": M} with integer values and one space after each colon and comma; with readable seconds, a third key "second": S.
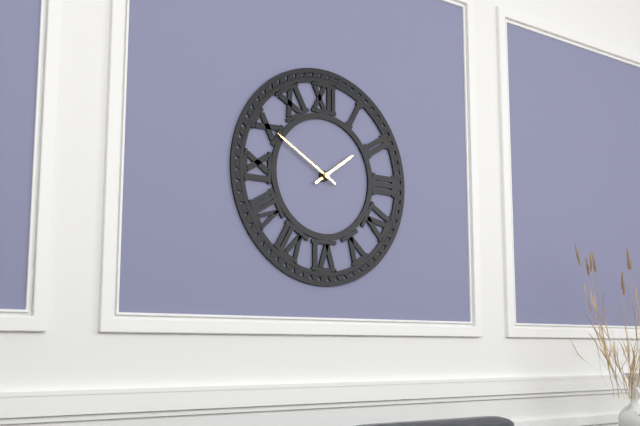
{"hour": 1, "minute": 50}
